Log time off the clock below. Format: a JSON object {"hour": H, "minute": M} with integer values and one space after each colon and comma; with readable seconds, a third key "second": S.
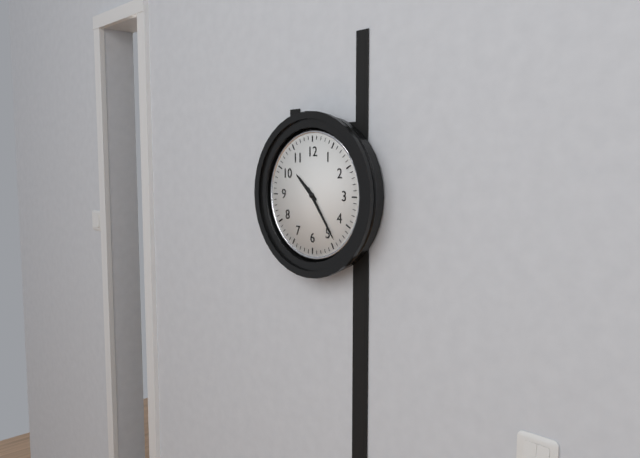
{"hour": 10, "minute": 24}
